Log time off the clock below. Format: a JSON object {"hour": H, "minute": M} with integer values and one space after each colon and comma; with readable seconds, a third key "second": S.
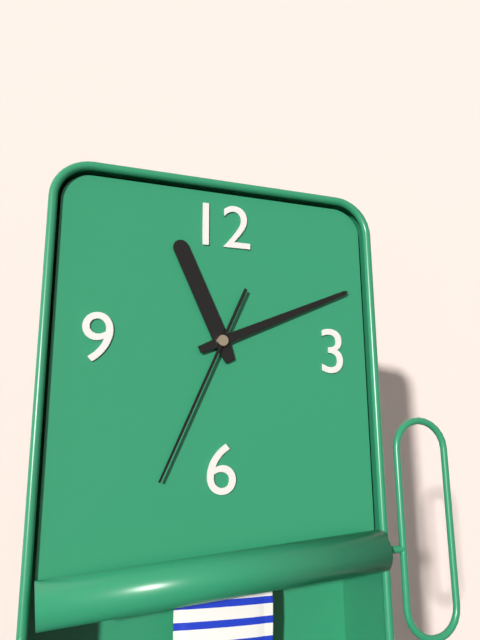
{"hour": 11, "minute": 11, "second": 34}
